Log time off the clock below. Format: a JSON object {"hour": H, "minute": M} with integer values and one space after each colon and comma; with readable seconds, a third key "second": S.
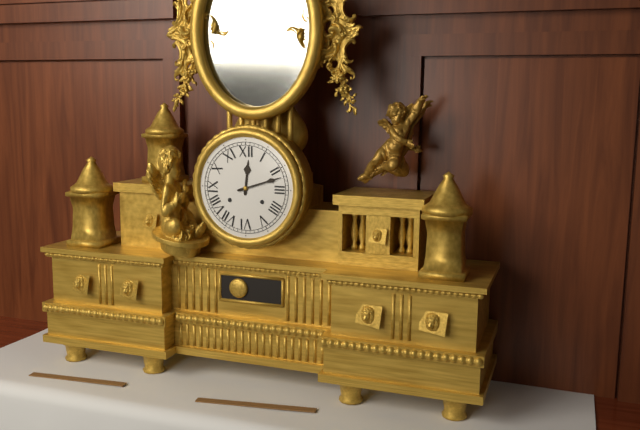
{"hour": 12, "minute": 12}
